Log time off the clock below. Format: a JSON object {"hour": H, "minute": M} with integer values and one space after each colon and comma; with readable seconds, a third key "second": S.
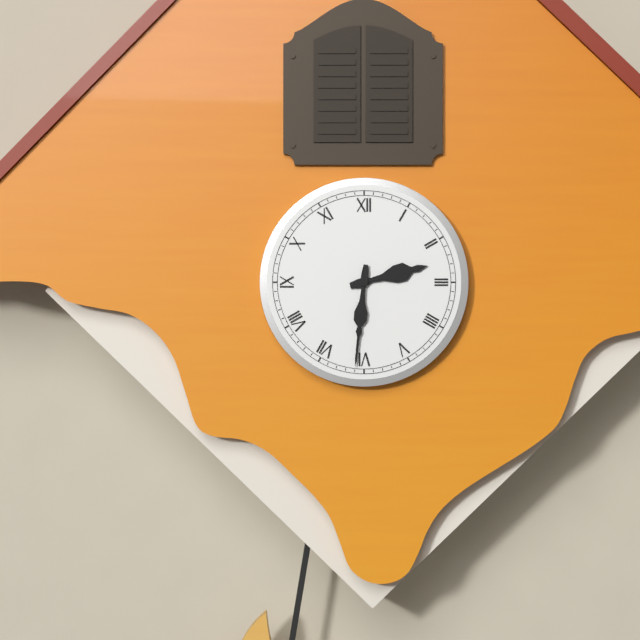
{"hour": 2, "minute": 31}
